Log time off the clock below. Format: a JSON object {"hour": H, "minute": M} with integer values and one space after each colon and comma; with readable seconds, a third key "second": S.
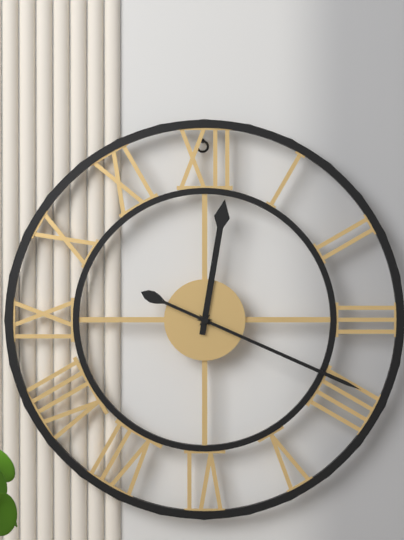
{"hour": 12, "minute": 19}
